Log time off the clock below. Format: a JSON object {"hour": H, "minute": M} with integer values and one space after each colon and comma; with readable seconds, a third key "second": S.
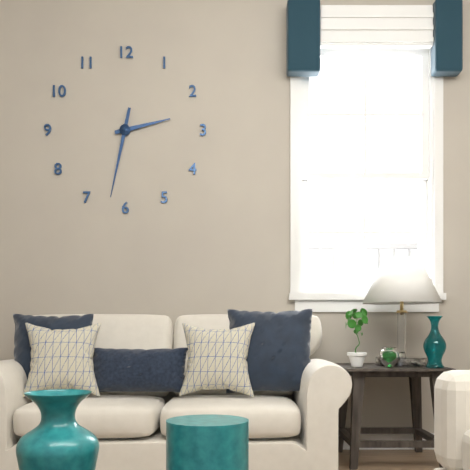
{"hour": 2, "minute": 32}
